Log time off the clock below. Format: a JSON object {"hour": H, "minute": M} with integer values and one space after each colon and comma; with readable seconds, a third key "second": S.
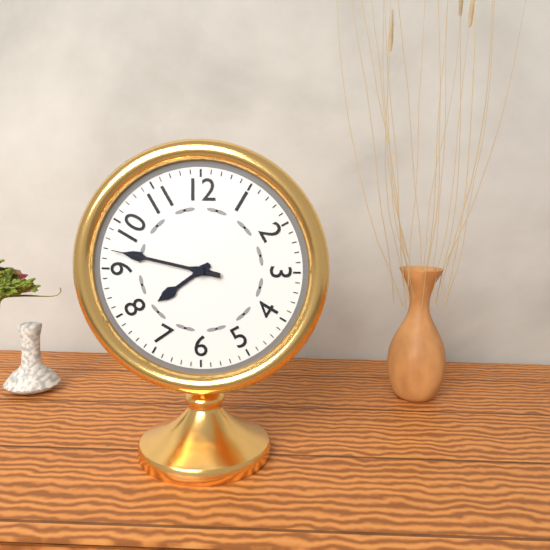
{"hour": 7, "minute": 47, "second": 47}
